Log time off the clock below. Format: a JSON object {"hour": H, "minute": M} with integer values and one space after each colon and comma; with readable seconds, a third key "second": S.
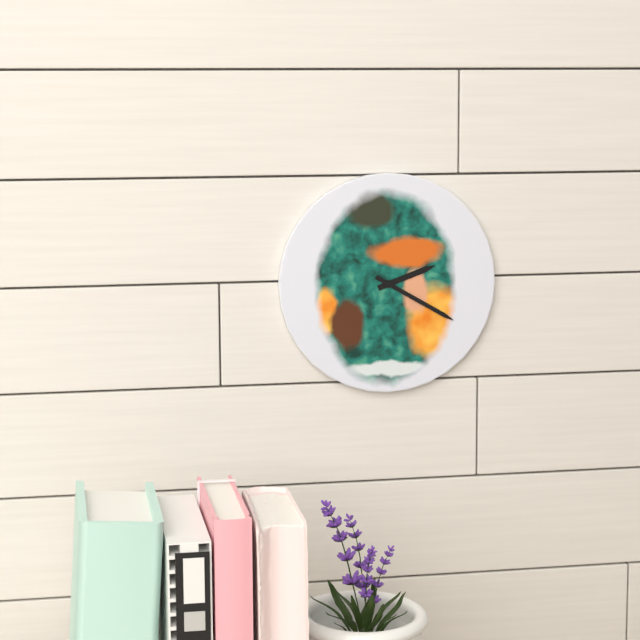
{"hour": 2, "minute": 20}
